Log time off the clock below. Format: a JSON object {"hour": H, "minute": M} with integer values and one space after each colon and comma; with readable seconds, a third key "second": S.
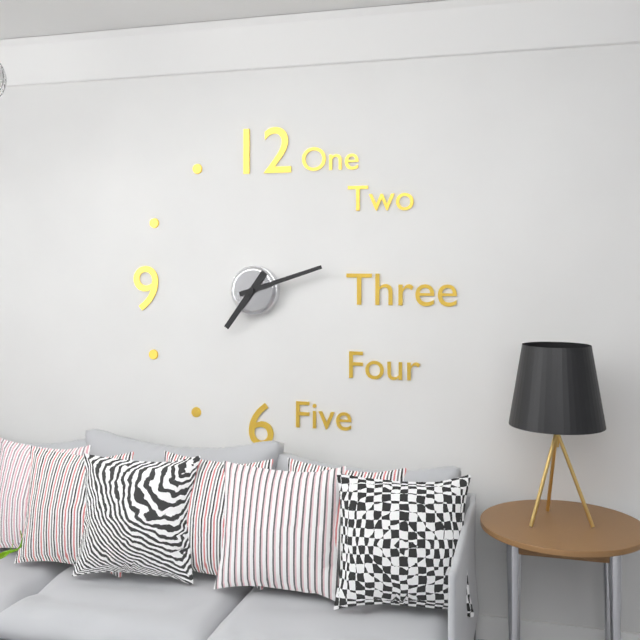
{"hour": 7, "minute": 12}
